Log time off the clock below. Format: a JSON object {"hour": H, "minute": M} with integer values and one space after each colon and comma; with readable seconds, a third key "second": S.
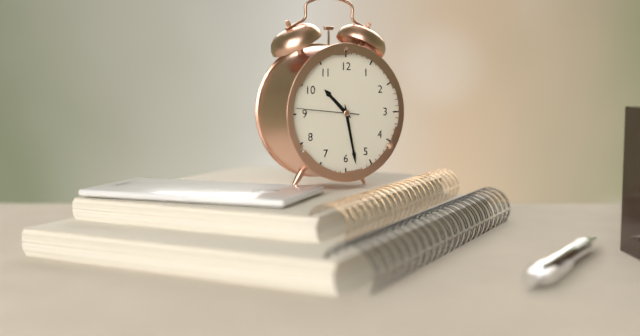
{"hour": 10, "minute": 28, "second": 46}
